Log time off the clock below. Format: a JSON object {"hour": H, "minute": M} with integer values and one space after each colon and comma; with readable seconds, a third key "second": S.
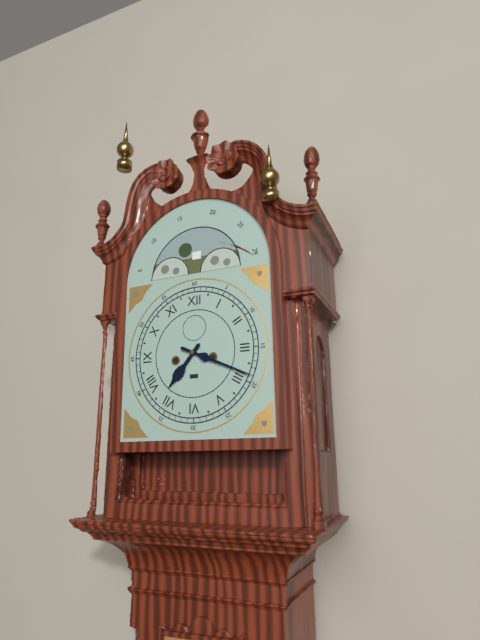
{"hour": 7, "minute": 19}
